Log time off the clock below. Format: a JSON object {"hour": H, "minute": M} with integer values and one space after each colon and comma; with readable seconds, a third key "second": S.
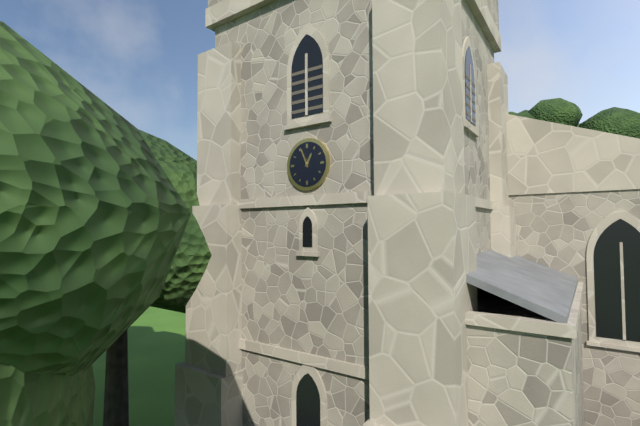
{"hour": 12, "minute": 56}
